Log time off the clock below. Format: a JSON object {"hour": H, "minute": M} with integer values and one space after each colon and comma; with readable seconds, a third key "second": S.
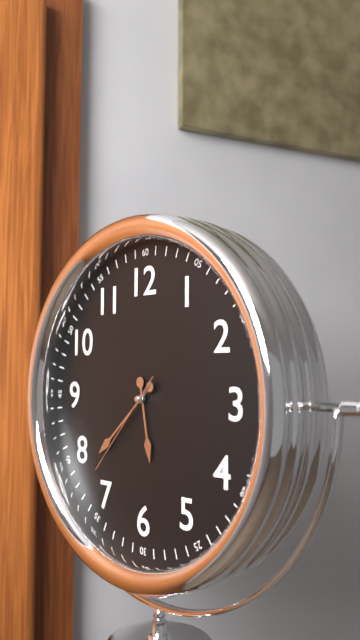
{"hour": 5, "minute": 38, "second": 37}
